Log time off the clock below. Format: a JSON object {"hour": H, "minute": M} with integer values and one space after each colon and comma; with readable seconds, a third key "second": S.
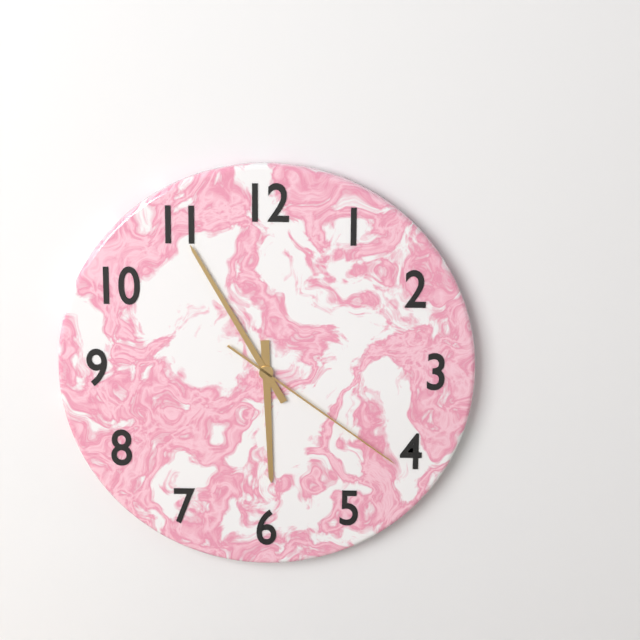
{"hour": 5, "minute": 55, "second": 21}
